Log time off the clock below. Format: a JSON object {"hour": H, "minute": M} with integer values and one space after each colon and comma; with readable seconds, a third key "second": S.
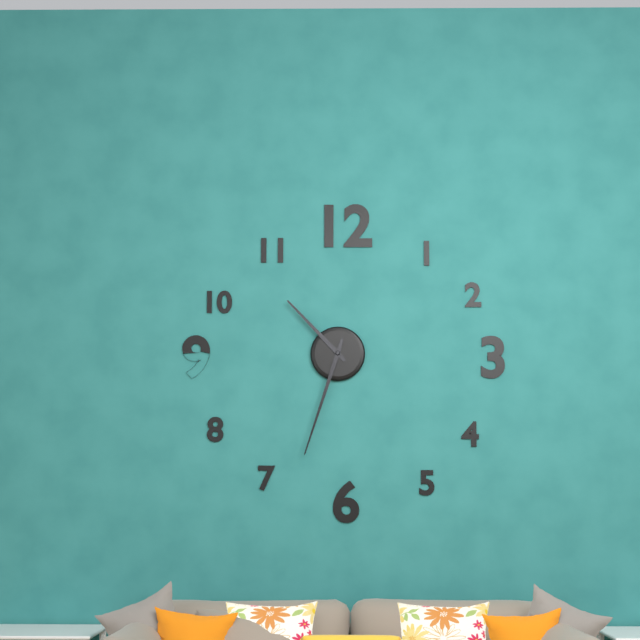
{"hour": 10, "minute": 33}
